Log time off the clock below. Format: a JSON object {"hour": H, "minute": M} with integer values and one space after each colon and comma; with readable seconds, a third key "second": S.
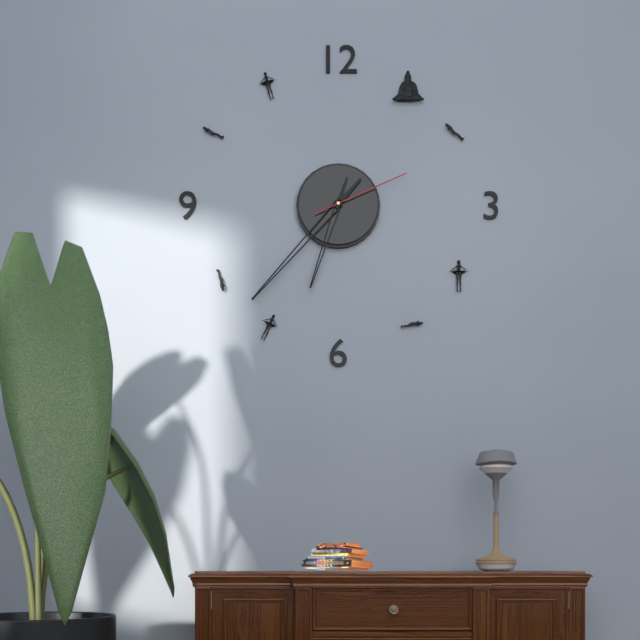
{"hour": 6, "minute": 37, "second": 11}
